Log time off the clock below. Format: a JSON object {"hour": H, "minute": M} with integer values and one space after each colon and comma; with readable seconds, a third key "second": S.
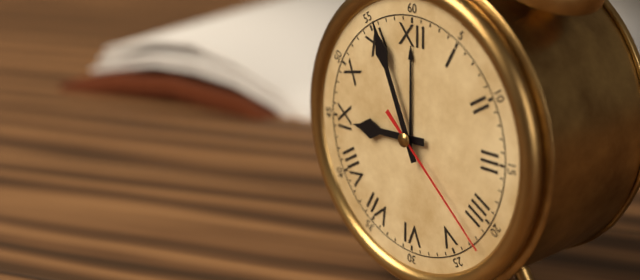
{"hour": 8, "minute": 56, "second": 22}
